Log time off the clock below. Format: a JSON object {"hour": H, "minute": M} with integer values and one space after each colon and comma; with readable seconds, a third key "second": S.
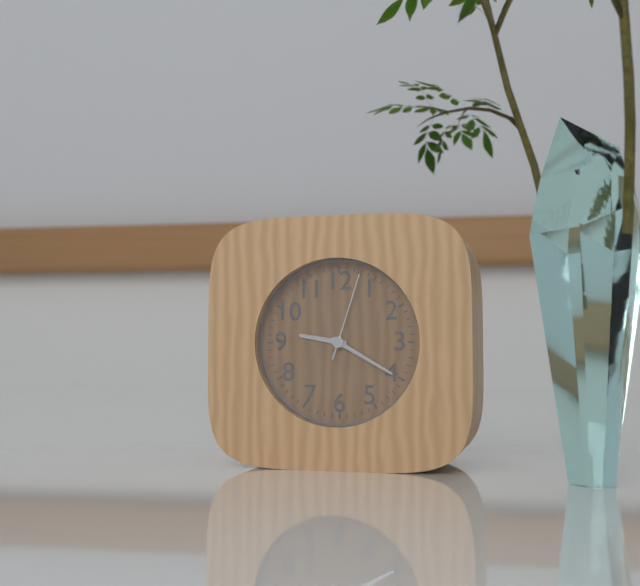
{"hour": 9, "minute": 20, "second": 3}
